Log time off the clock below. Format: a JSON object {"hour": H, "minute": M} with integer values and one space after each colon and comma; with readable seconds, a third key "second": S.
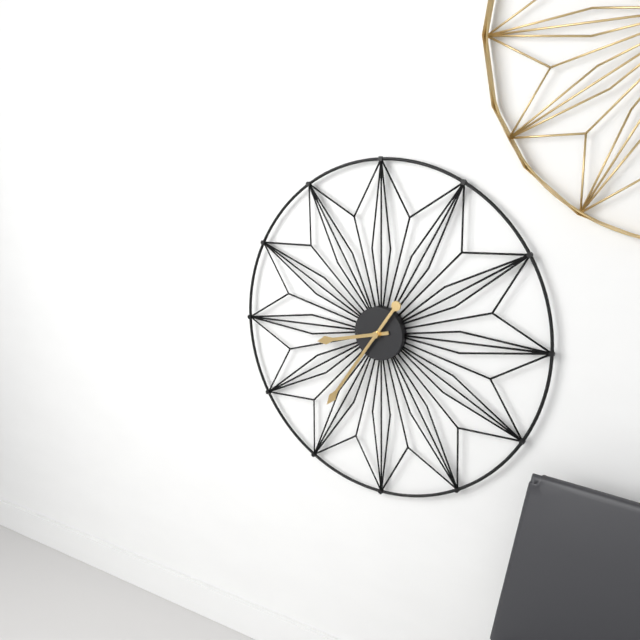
{"hour": 8, "minute": 36}
